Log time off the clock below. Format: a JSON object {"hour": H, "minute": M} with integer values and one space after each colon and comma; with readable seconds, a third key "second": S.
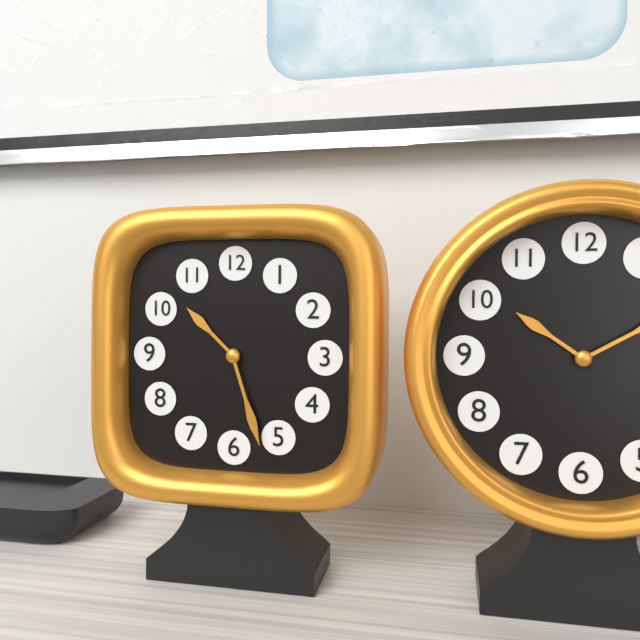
{"hour": 10, "minute": 27}
